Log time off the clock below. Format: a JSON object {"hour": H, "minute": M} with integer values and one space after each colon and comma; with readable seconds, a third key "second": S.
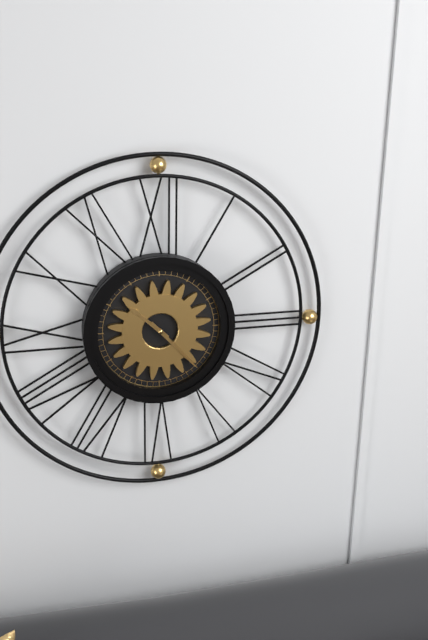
{"hour": 10, "minute": 23}
